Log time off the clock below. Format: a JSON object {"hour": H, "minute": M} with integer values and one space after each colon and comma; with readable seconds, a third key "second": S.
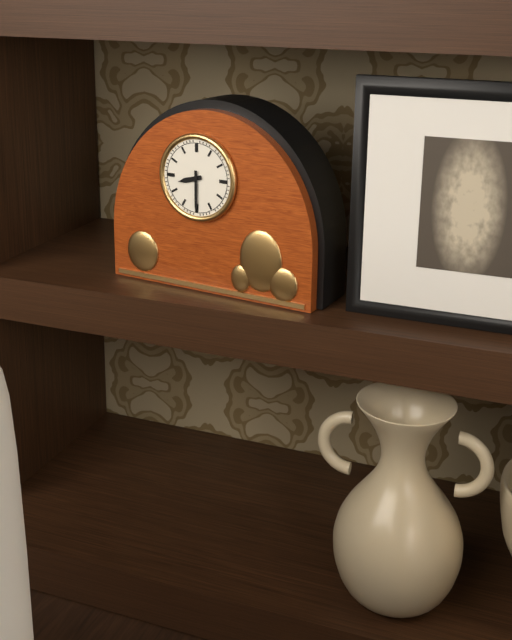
{"hour": 8, "minute": 30}
